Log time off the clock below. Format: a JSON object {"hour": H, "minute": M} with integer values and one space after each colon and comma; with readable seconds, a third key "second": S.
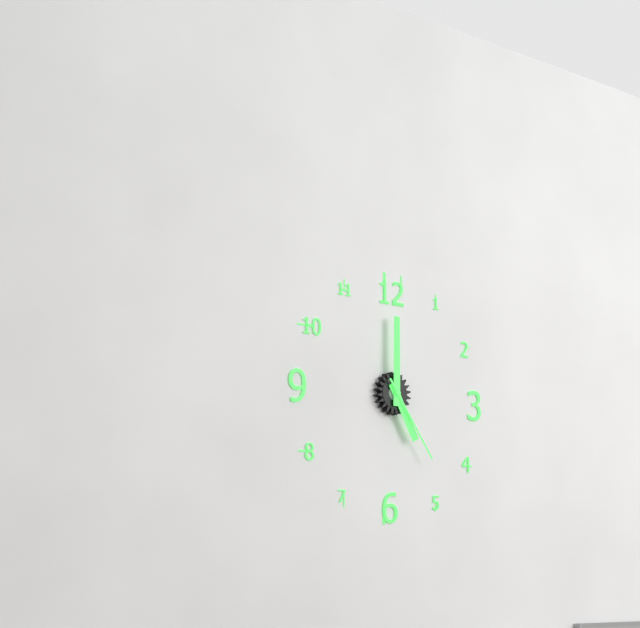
{"hour": 5, "minute": 0, "second": 24}
